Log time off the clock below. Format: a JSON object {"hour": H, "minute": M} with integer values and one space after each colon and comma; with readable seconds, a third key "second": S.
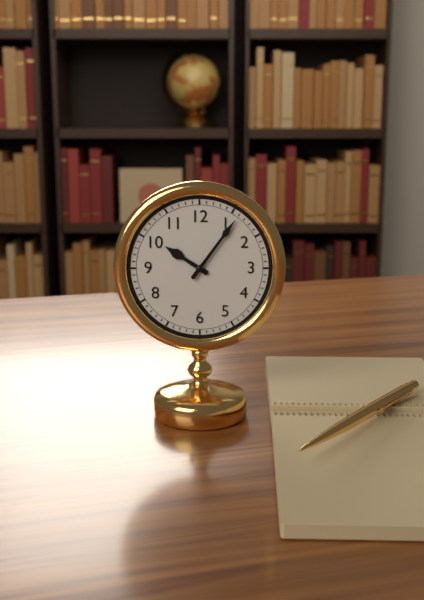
{"hour": 10, "minute": 6}
